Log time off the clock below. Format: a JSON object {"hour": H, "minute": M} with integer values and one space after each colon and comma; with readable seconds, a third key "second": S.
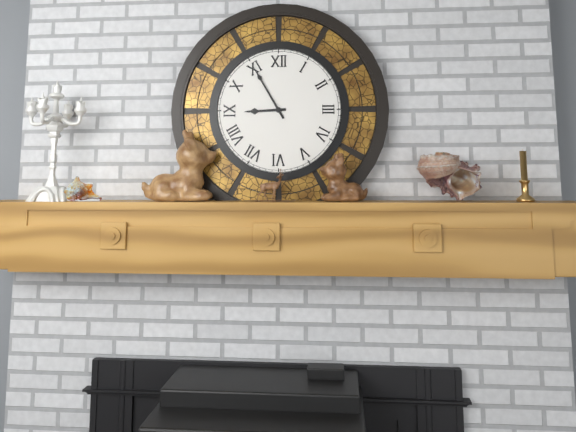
{"hour": 8, "minute": 55}
